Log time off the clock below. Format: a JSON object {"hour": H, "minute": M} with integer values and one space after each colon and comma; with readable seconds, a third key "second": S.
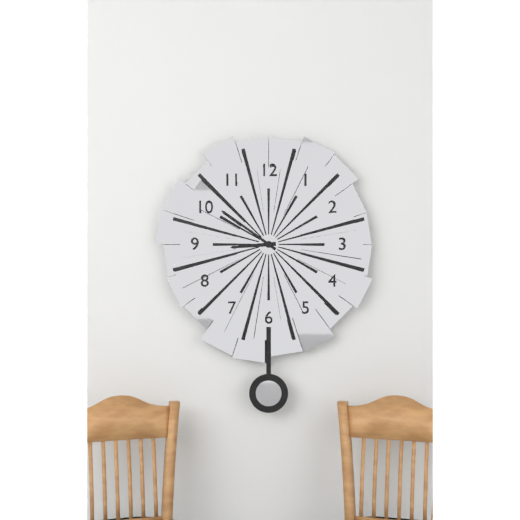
{"hour": 8, "minute": 51}
